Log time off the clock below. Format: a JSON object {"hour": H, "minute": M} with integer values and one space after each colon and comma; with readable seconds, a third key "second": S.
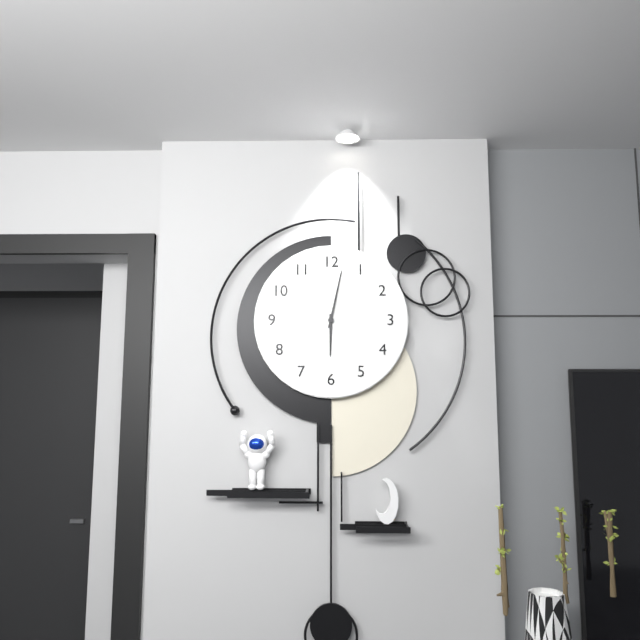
{"hour": 6, "minute": 2}
